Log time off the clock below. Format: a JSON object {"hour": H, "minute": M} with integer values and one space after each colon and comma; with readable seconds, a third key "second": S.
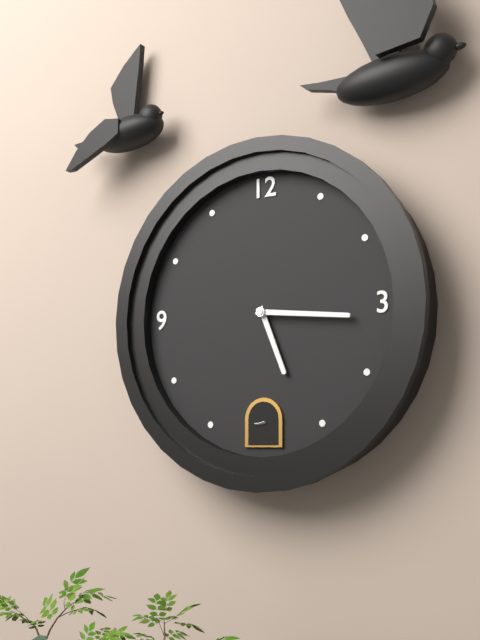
{"hour": 5, "minute": 16}
